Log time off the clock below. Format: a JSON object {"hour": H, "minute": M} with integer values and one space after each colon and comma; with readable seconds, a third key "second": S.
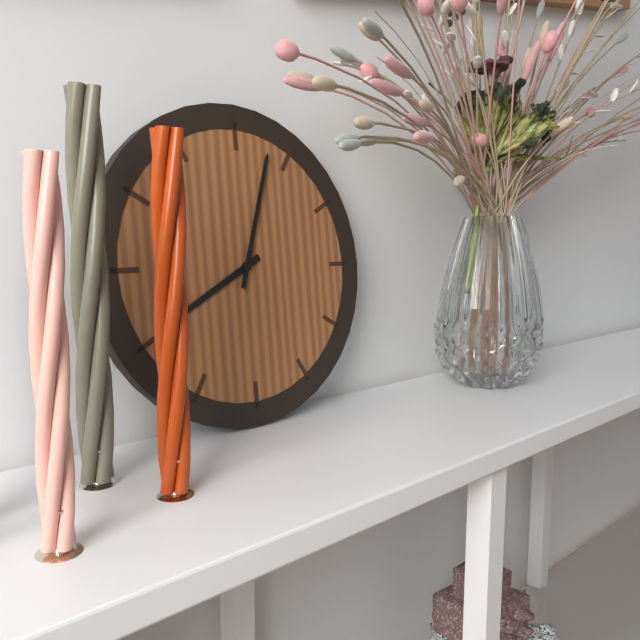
{"hour": 8, "minute": 3}
